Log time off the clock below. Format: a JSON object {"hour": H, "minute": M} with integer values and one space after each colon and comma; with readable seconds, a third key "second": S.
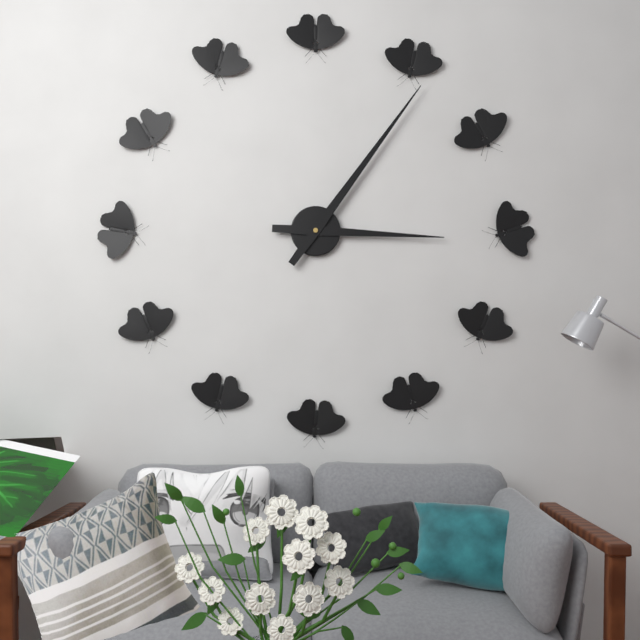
{"hour": 3, "minute": 6}
